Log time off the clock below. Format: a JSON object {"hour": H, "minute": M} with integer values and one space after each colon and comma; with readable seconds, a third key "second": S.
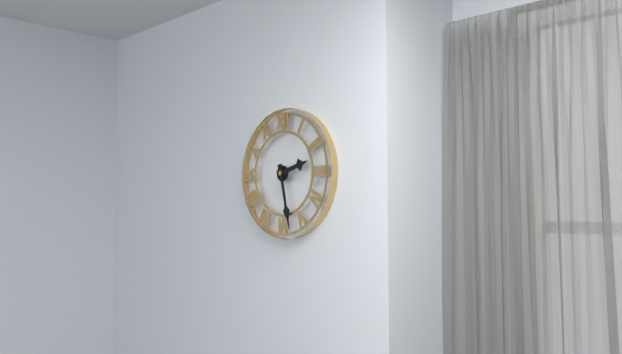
{"hour": 2, "minute": 28}
